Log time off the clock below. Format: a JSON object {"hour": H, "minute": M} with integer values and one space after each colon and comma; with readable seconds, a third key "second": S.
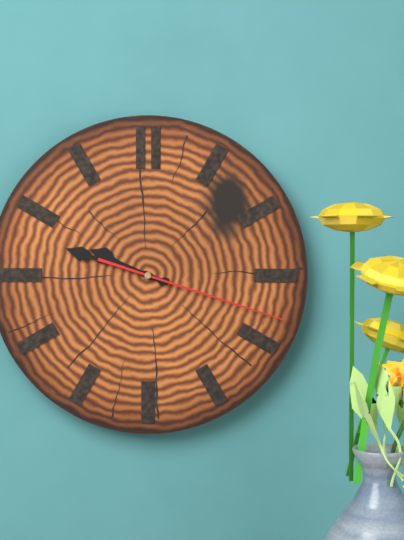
{"hour": 9, "minute": 48, "second": 18}
